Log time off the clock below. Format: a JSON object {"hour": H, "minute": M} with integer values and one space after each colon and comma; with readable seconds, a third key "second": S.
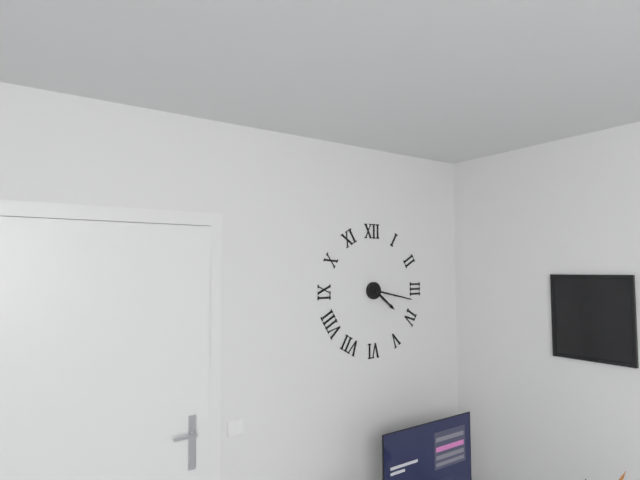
{"hour": 4, "minute": 17}
